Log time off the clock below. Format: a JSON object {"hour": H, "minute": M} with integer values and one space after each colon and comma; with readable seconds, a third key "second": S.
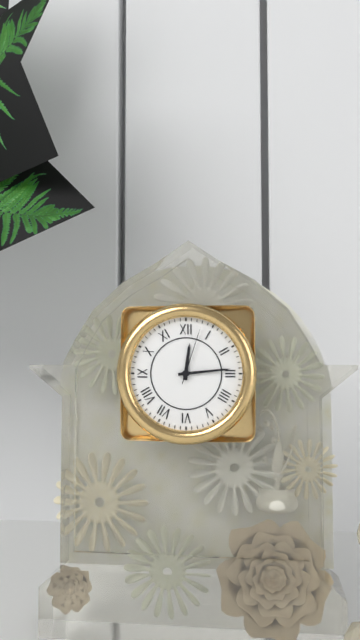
{"hour": 12, "minute": 14, "second": 3}
